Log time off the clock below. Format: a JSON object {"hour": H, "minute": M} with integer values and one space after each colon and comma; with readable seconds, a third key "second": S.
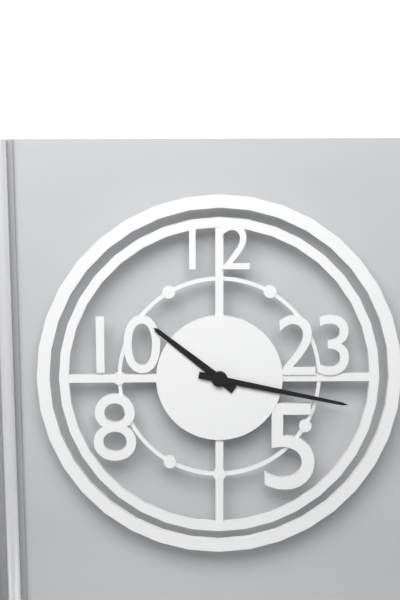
{"hour": 10, "minute": 17}
